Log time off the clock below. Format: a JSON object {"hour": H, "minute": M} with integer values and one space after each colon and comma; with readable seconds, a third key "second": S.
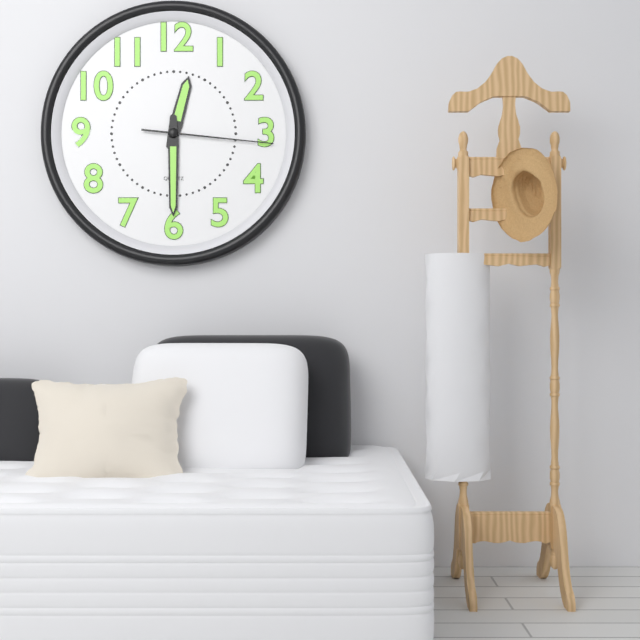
{"hour": 12, "minute": 30, "second": 16}
